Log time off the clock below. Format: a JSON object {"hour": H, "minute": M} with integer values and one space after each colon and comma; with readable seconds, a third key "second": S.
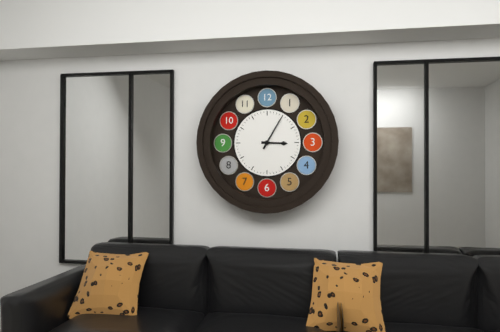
{"hour": 3, "minute": 5}
